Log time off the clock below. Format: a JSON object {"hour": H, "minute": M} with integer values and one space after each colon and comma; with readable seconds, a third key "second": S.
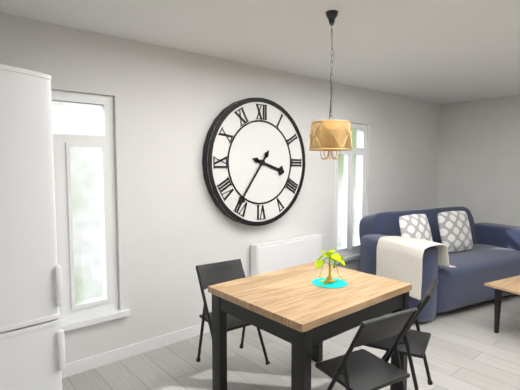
{"hour": 3, "minute": 36}
